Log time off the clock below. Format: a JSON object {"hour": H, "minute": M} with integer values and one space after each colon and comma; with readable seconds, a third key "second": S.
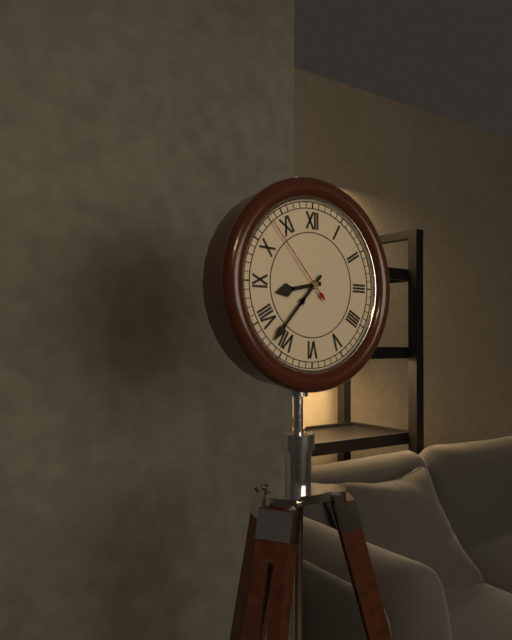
{"hour": 8, "minute": 37, "second": 53}
